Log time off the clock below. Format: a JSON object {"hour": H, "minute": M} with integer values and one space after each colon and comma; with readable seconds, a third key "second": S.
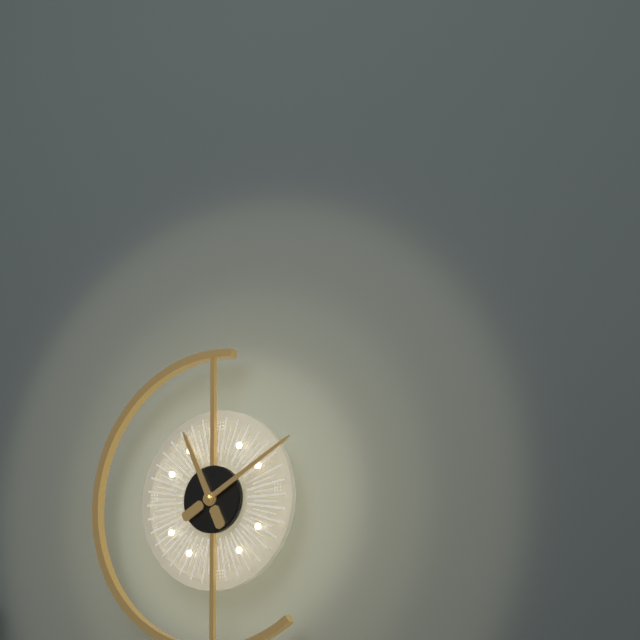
{"hour": 11, "minute": 10}
